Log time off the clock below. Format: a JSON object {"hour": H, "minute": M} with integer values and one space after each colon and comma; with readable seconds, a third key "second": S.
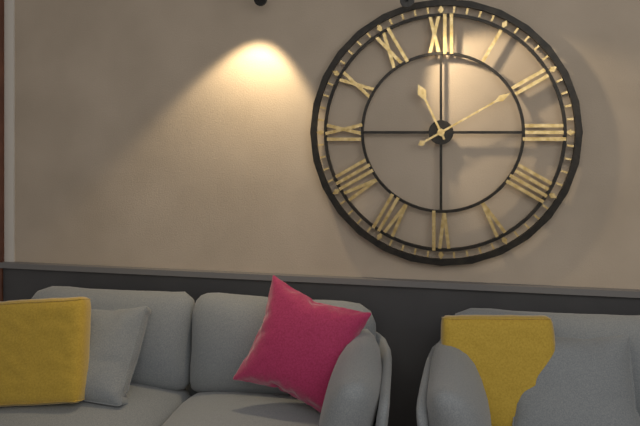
{"hour": 11, "minute": 10}
